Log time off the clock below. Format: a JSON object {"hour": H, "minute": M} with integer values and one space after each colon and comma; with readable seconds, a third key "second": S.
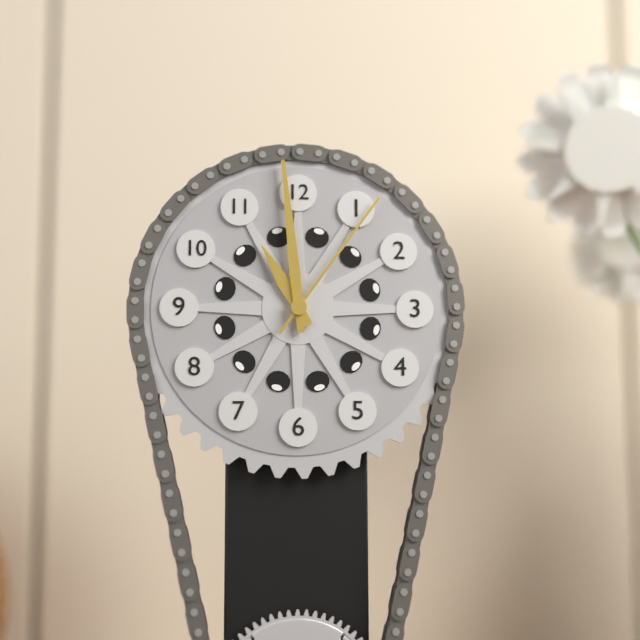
{"hour": 10, "minute": 59, "second": 6}
